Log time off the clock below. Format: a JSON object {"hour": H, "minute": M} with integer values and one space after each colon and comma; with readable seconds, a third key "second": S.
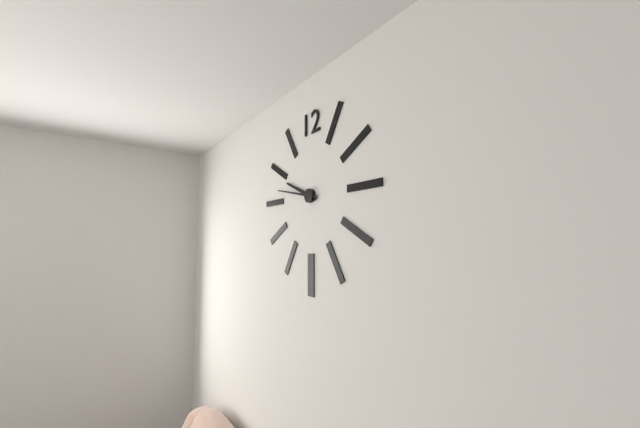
{"hour": 9, "minute": 47}
